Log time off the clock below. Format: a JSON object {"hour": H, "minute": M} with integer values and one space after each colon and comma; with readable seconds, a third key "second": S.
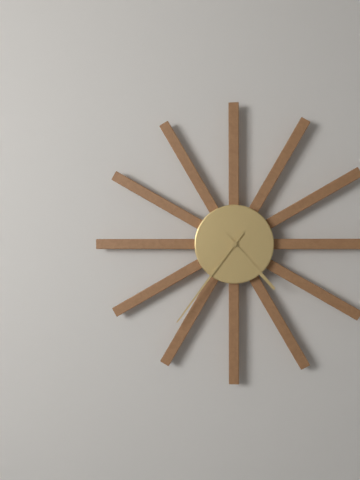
{"hour": 4, "minute": 36}
